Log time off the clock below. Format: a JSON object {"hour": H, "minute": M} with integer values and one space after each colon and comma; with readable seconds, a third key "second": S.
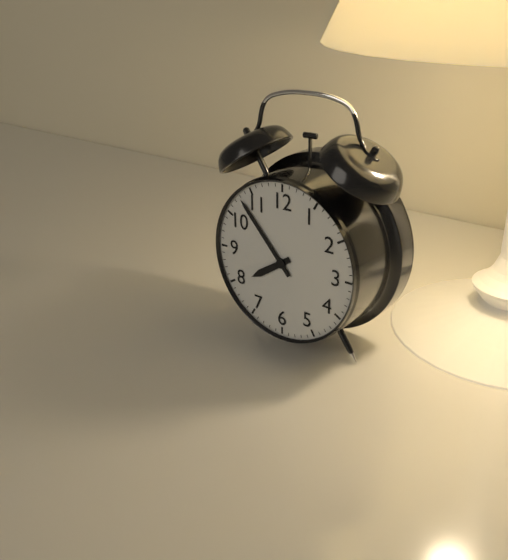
{"hour": 7, "minute": 53}
